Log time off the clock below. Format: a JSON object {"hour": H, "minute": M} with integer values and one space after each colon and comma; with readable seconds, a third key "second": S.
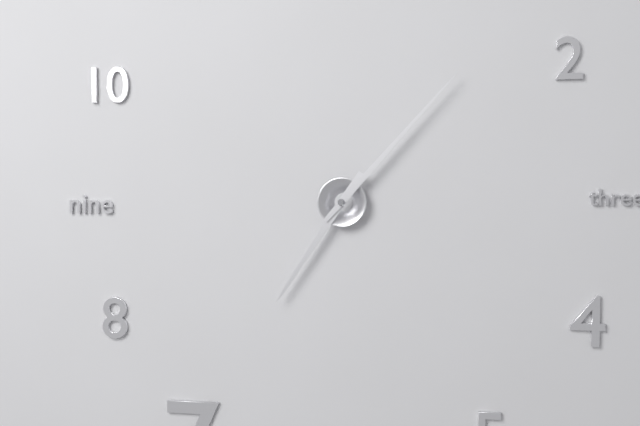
{"hour": 7, "minute": 7}
